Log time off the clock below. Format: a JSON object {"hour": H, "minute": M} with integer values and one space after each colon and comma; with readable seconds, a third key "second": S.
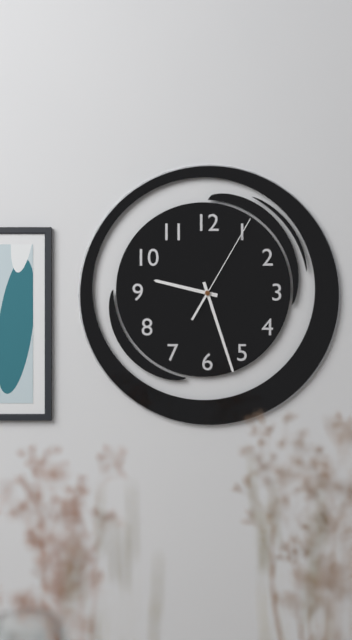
{"hour": 9, "minute": 27, "second": 5}
